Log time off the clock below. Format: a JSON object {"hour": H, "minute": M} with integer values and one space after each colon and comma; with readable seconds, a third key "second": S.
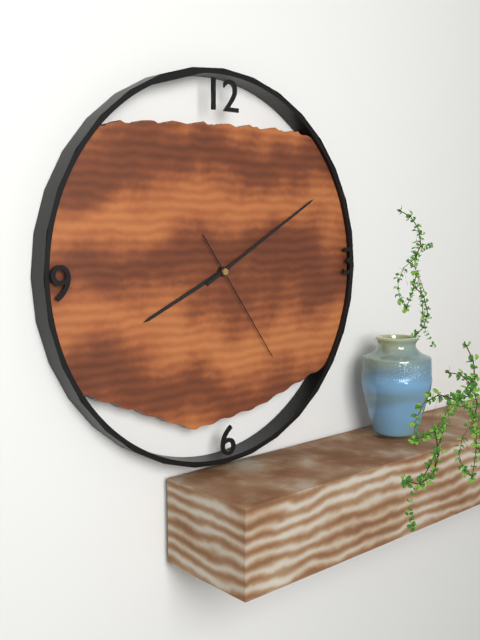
{"hour": 8, "minute": 10, "second": 24}
